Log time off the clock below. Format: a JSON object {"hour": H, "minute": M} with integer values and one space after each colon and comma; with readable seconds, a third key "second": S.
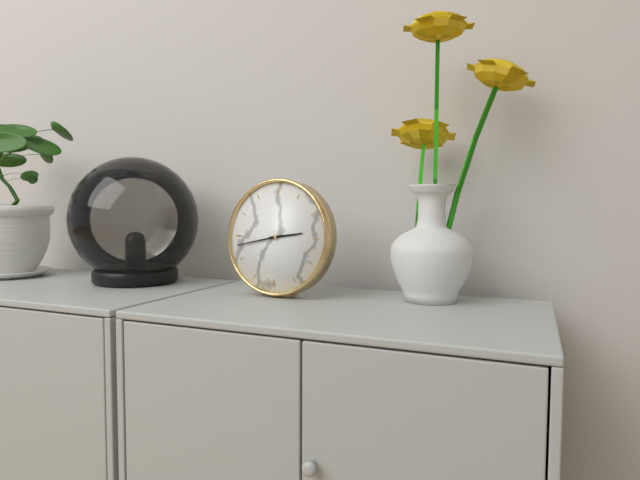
{"hour": 2, "minute": 43}
